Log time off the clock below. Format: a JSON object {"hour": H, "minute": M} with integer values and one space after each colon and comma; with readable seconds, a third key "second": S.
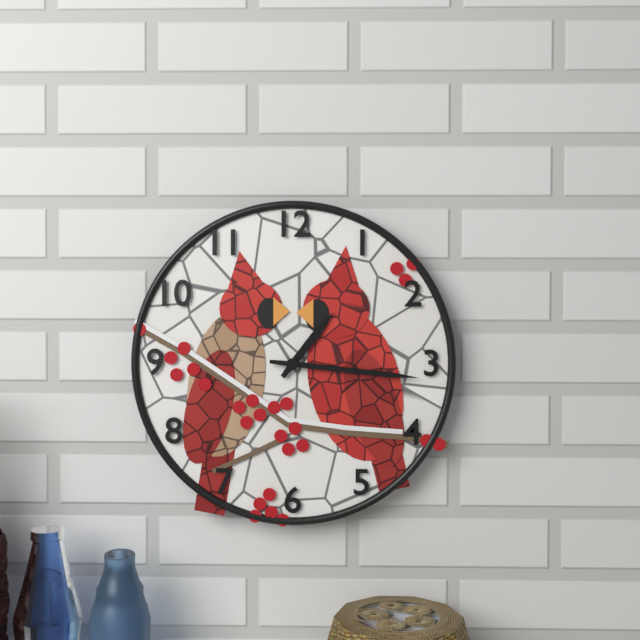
{"hour": 1, "minute": 16}
